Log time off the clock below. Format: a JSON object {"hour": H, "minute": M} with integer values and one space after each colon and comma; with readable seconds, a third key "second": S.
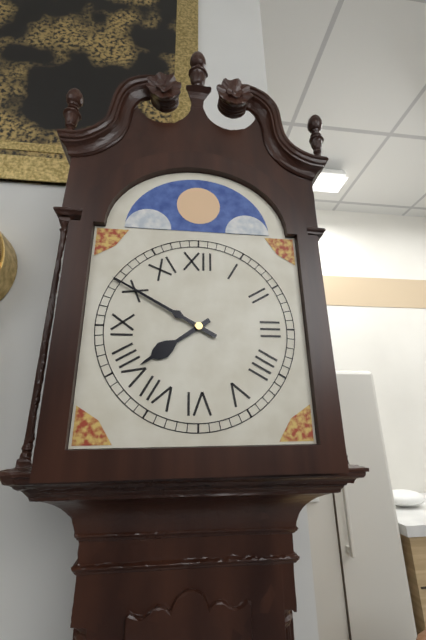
{"hour": 7, "minute": 50}
